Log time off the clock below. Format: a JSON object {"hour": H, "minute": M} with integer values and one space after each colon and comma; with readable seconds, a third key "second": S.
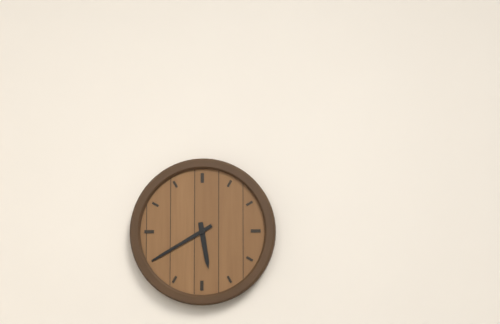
{"hour": 5, "minute": 40}
